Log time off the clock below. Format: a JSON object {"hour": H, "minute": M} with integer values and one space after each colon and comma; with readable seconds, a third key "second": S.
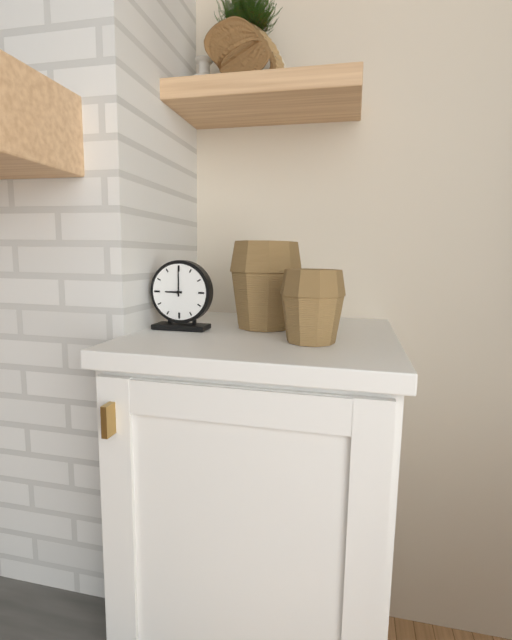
{"hour": 9, "minute": 0}
